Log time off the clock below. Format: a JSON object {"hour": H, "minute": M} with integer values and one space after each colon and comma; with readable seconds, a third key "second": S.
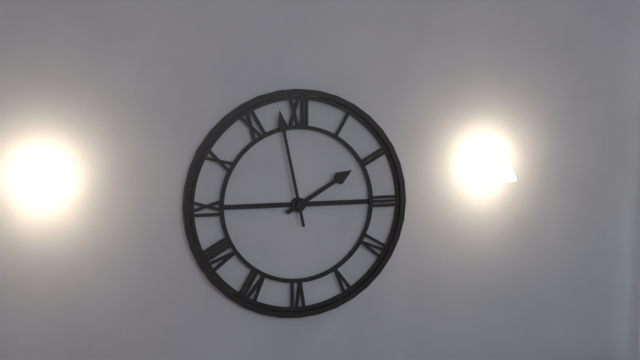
{"hour": 1, "minute": 58}
